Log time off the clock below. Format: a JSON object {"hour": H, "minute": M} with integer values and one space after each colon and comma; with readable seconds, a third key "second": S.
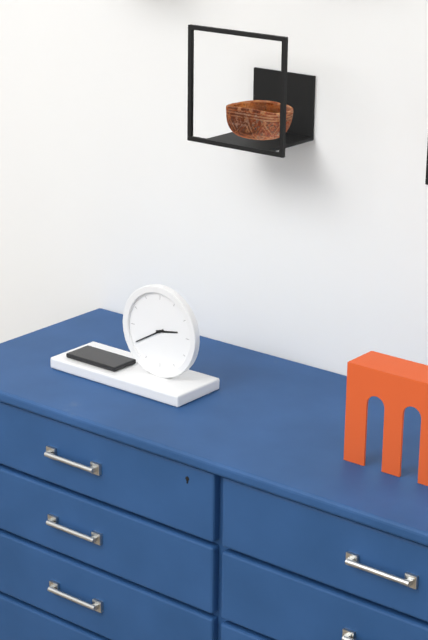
{"hour": 2, "minute": 40}
